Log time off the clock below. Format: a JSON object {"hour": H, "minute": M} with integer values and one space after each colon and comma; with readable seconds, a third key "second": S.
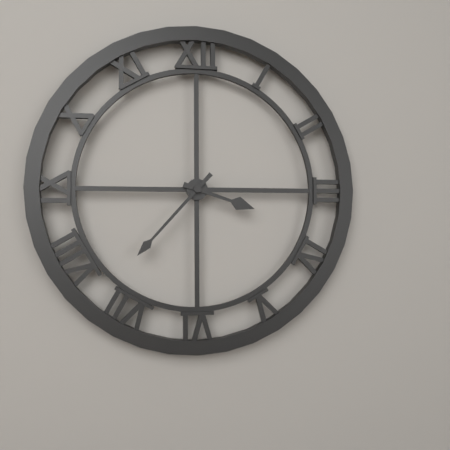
{"hour": 3, "minute": 37}
